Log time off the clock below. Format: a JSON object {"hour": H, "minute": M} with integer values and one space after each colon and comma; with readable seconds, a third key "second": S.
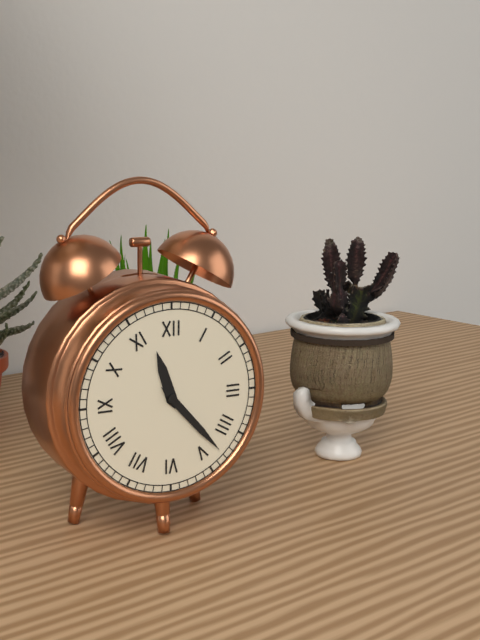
{"hour": 11, "minute": 23}
